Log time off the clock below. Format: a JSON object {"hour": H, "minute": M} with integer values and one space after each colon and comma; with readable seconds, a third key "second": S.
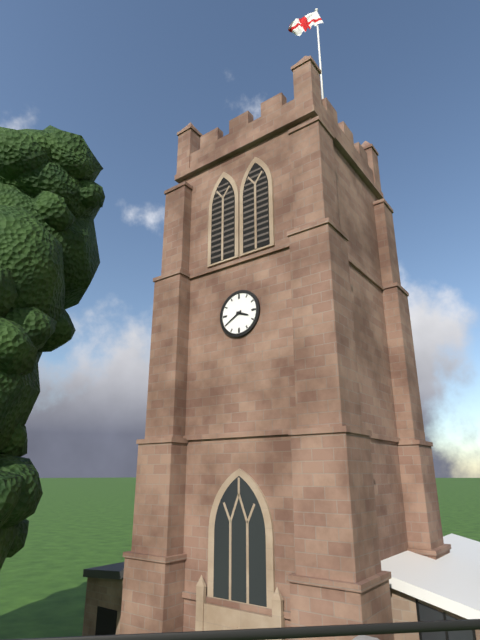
{"hour": 3, "minute": 40}
